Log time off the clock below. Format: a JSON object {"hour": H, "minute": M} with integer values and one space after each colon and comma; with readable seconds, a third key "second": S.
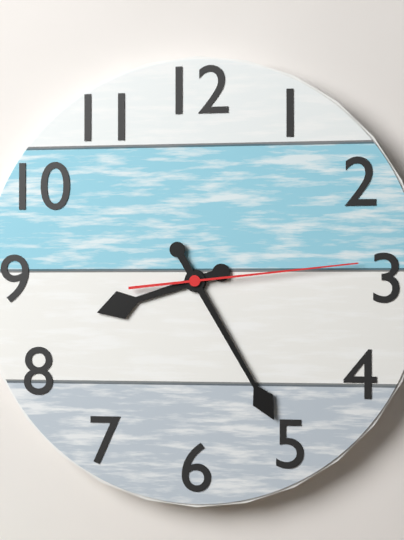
{"hour": 8, "minute": 25, "second": 14}
